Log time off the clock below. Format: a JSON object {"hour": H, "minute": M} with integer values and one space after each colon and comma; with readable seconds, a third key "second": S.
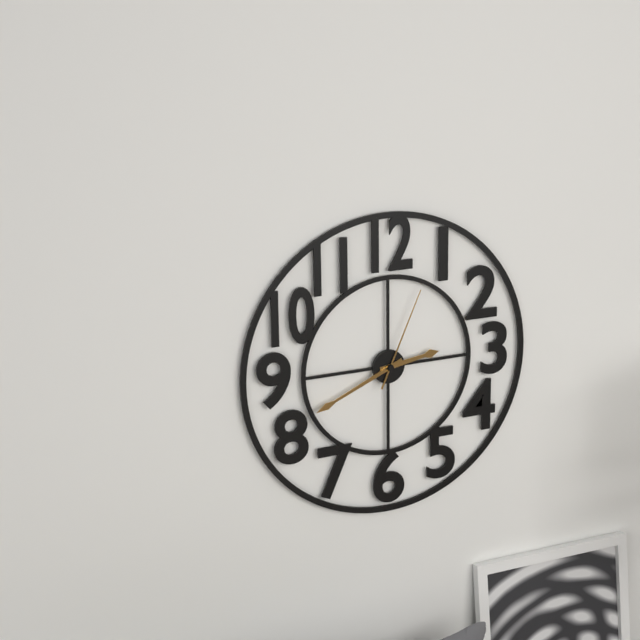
{"hour": 2, "minute": 41, "second": 4}
